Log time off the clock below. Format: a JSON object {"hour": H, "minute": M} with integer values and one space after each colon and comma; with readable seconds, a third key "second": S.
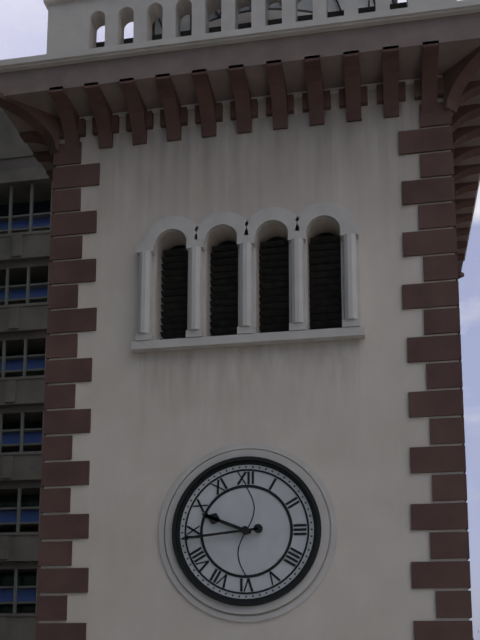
{"hour": 9, "minute": 44}
